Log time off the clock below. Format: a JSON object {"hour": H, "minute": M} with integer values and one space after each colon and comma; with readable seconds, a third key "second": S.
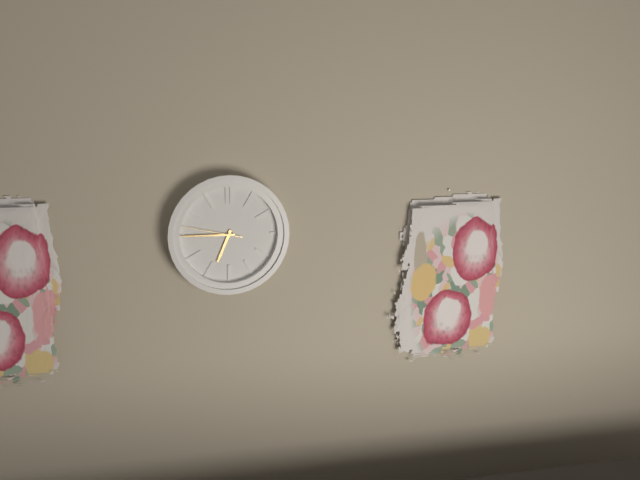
{"hour": 6, "minute": 45, "second": 47}
